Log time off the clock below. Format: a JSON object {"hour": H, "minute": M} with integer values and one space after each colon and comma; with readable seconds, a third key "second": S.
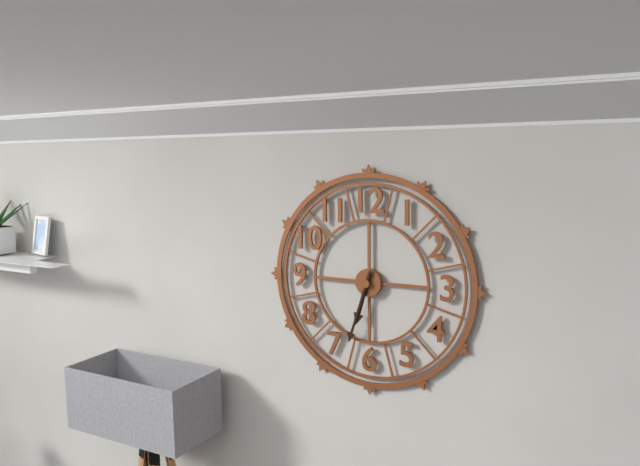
{"hour": 6, "minute": 33}
